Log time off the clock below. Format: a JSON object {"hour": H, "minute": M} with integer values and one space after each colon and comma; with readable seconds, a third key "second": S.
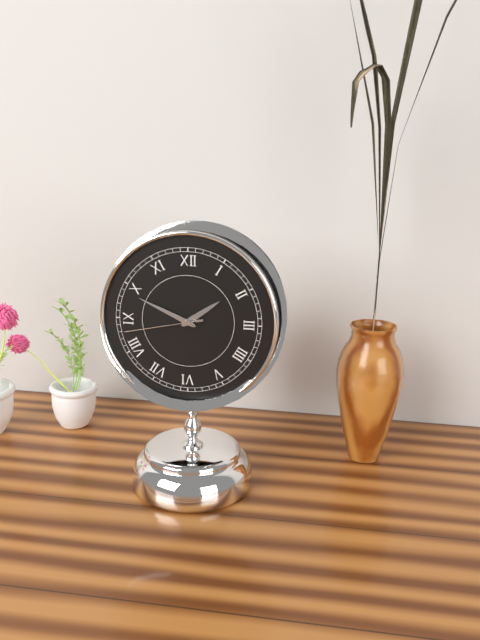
{"hour": 1, "minute": 49, "second": 43}
